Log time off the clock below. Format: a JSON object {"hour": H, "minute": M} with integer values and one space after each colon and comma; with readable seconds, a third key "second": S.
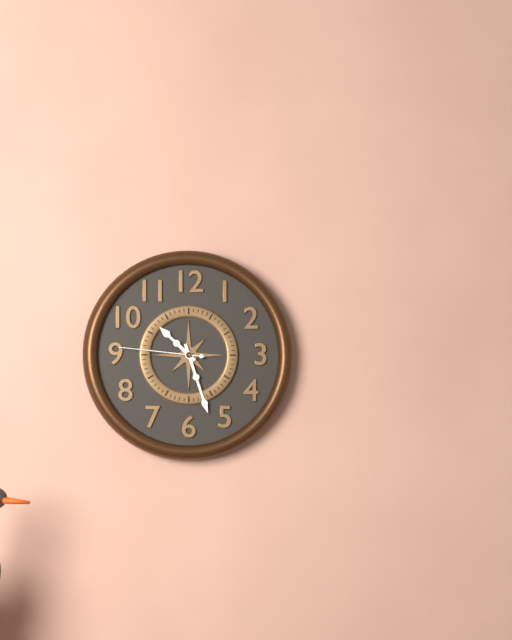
{"hour": 10, "minute": 27, "second": 46}
